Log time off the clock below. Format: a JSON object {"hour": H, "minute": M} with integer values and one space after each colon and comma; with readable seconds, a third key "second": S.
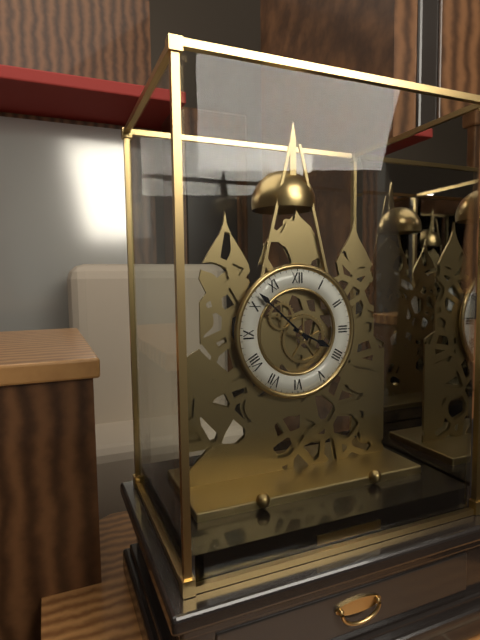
{"hour": 3, "minute": 52}
